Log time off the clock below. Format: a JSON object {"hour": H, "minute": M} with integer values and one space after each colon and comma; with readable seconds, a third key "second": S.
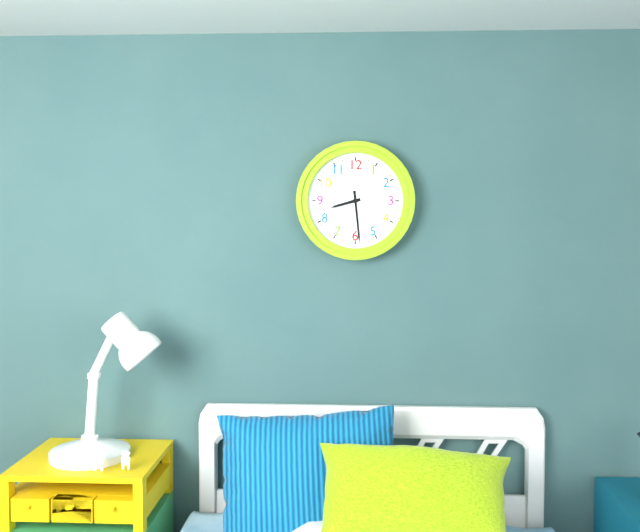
{"hour": 8, "minute": 29}
